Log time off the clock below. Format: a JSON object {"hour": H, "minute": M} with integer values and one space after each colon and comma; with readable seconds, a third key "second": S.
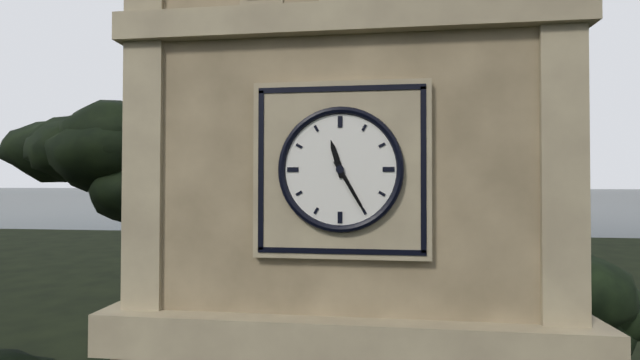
{"hour": 11, "minute": 25}
